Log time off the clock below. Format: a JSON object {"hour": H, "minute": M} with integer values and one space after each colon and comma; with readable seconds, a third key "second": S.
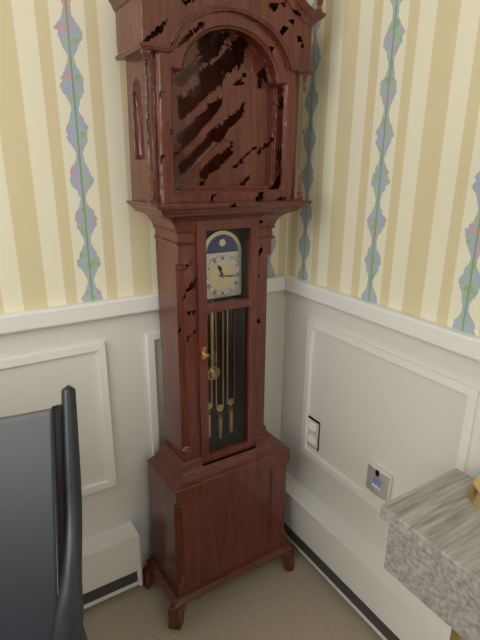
{"hour": 11, "minute": 16}
